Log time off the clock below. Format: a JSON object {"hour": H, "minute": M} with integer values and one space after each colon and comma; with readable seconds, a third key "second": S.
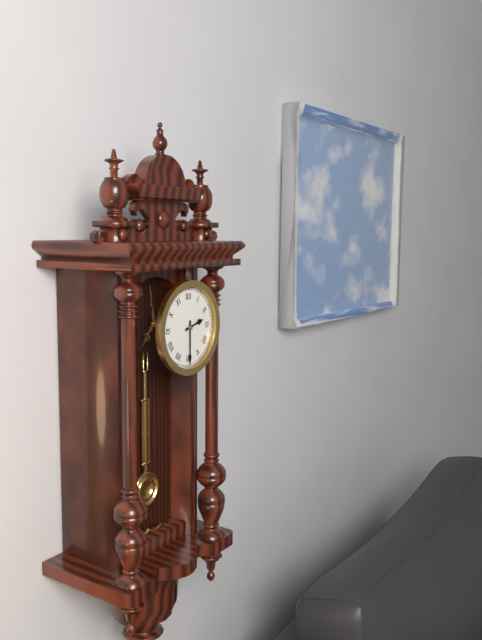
{"hour": 2, "minute": 30}
